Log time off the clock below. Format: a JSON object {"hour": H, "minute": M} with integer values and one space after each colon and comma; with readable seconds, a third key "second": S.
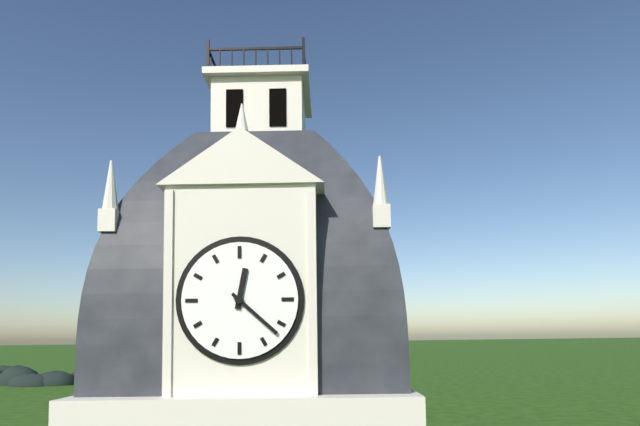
{"hour": 12, "minute": 22}
